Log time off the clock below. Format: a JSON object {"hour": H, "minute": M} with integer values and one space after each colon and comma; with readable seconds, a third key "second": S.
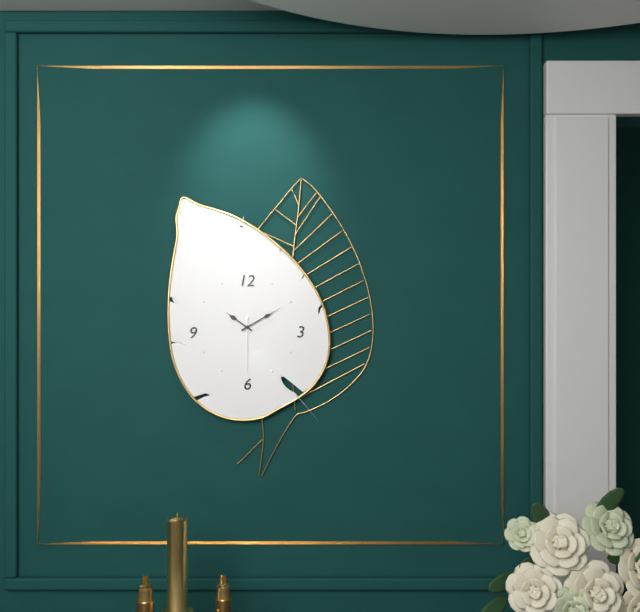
{"hour": 10, "minute": 10, "second": 30}
